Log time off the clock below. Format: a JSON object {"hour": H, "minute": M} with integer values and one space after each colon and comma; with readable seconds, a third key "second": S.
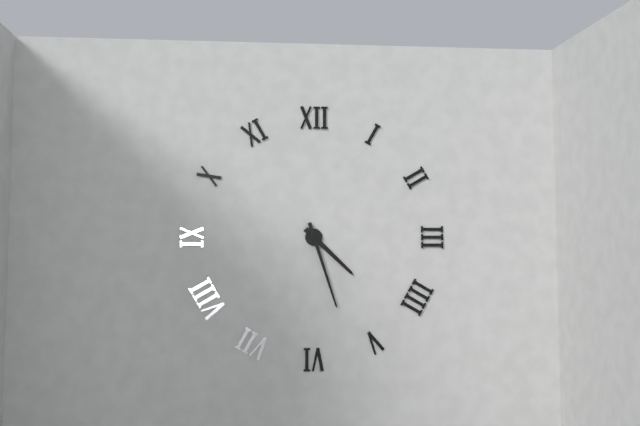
{"hour": 4, "minute": 27}
